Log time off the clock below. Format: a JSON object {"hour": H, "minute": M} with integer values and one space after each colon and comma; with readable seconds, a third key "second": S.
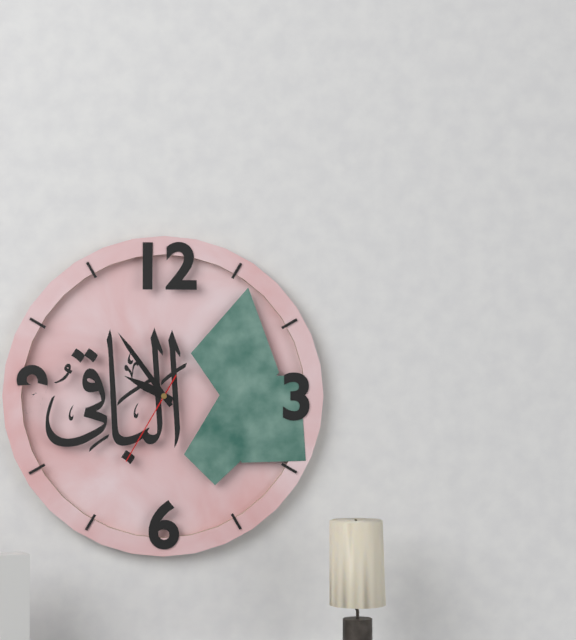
{"hour": 9, "minute": 54, "second": 35}
